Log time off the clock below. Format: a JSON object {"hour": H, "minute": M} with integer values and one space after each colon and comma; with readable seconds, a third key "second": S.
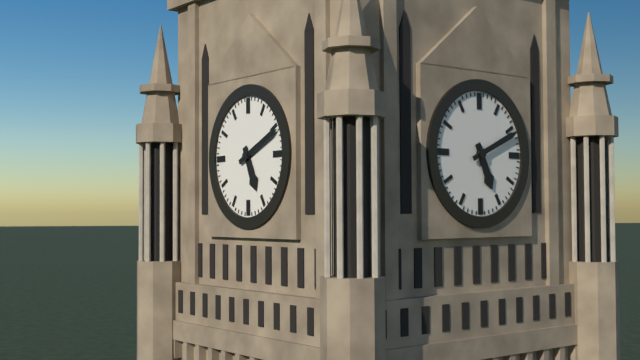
{"hour": 5, "minute": 11}
